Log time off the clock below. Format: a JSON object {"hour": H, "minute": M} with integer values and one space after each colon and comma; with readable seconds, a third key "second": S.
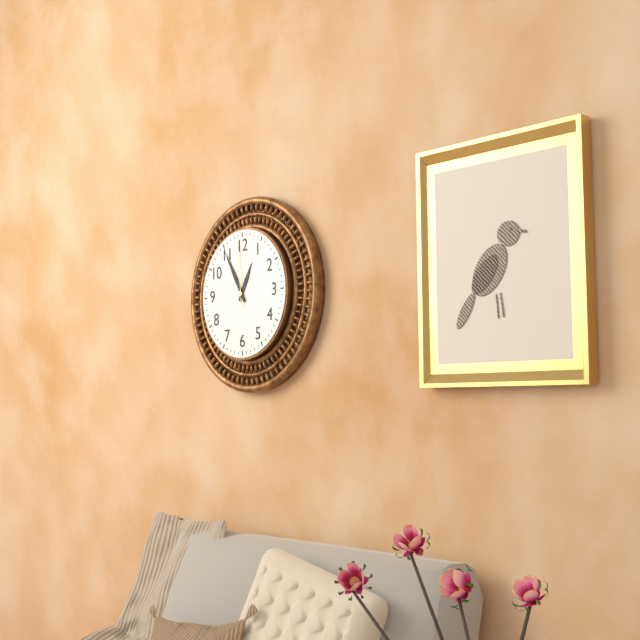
{"hour": 12, "minute": 55, "second": 59}
